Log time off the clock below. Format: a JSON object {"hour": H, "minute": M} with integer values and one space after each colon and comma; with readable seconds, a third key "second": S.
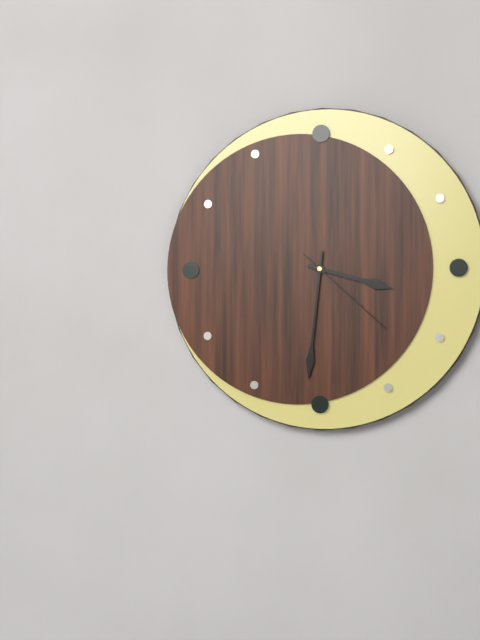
{"hour": 3, "minute": 31, "second": 22}
